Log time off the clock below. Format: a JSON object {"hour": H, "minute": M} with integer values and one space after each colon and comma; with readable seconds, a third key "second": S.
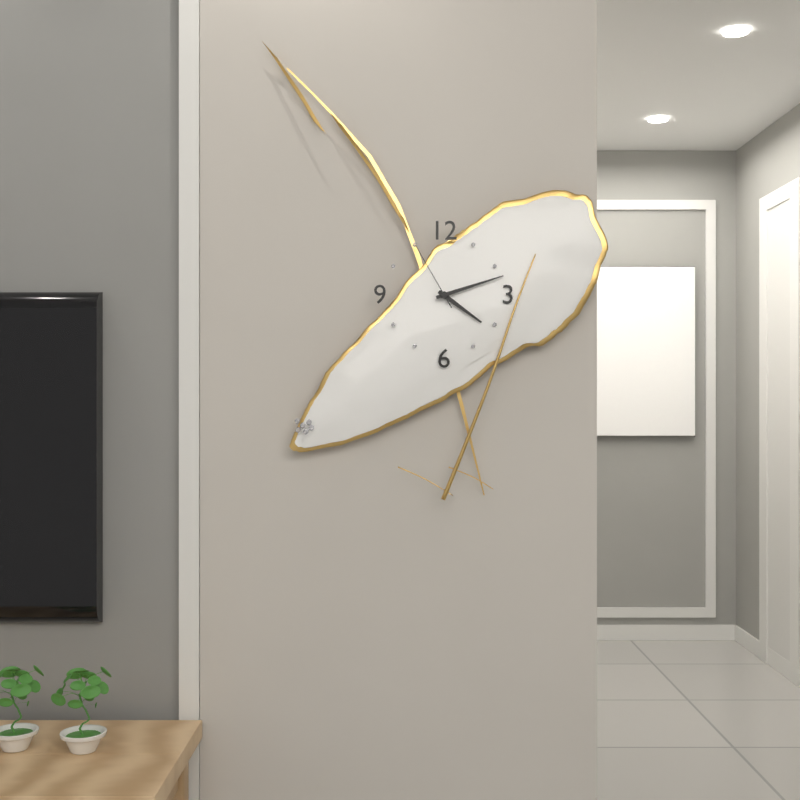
{"hour": 4, "minute": 12, "second": 55}
